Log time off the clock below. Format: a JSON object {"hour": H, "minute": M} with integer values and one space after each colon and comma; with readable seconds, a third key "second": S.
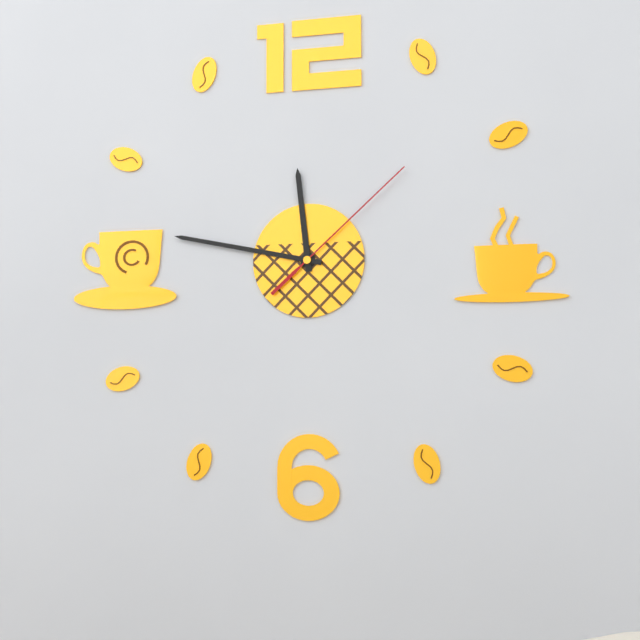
{"hour": 11, "minute": 47, "second": 8}
